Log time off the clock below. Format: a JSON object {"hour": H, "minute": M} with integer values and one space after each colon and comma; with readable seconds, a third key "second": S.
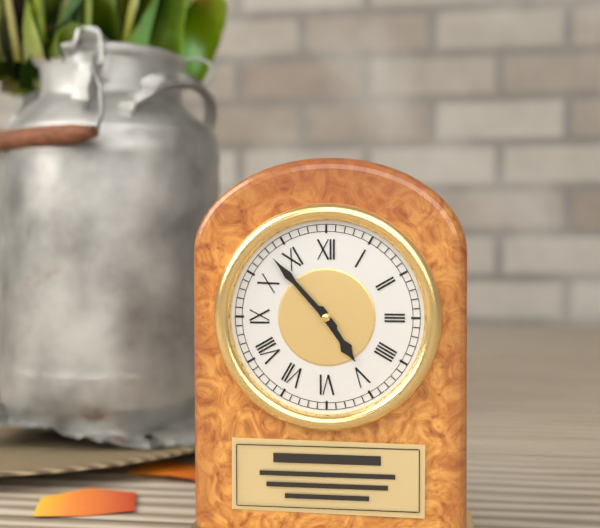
{"hour": 4, "minute": 53}
